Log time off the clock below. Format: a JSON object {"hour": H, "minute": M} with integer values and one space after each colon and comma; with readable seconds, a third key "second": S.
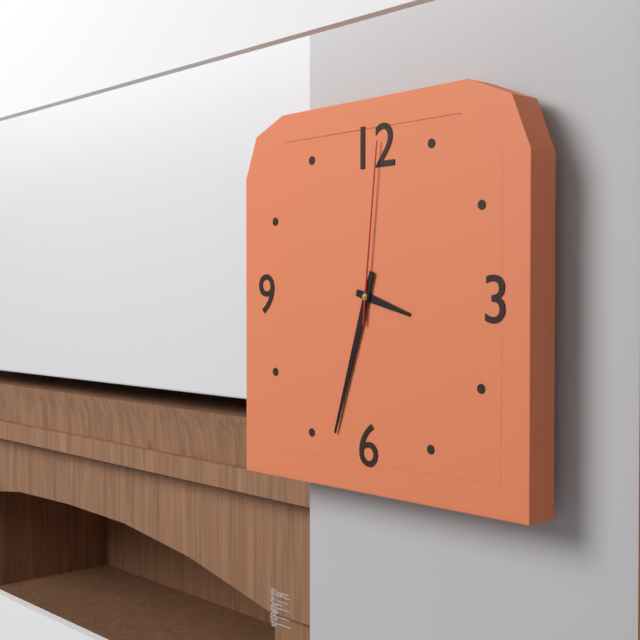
{"hour": 3, "minute": 33, "second": 1}
